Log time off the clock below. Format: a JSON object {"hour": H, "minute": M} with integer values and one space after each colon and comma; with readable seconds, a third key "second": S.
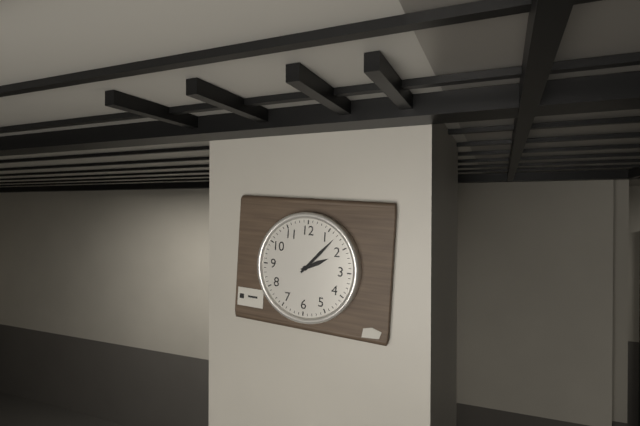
{"hour": 2, "minute": 7}
